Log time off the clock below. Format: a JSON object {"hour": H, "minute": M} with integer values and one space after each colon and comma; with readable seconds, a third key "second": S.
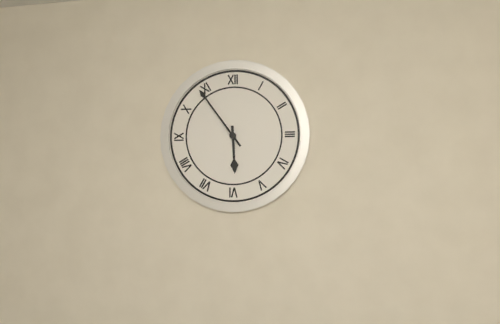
{"hour": 5, "minute": 54}
